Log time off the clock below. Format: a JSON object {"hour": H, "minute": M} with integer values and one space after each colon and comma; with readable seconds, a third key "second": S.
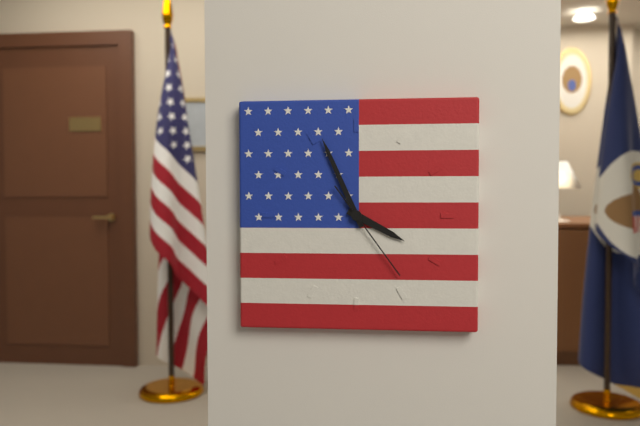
{"hour": 3, "minute": 56, "second": 24}
